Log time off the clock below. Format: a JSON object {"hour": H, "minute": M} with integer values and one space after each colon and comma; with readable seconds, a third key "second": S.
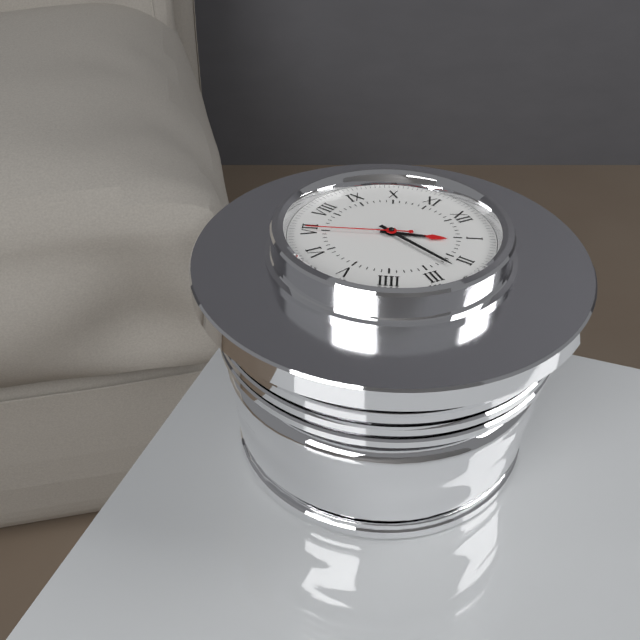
{"hour": 1, "minute": 12, "second": 35}
